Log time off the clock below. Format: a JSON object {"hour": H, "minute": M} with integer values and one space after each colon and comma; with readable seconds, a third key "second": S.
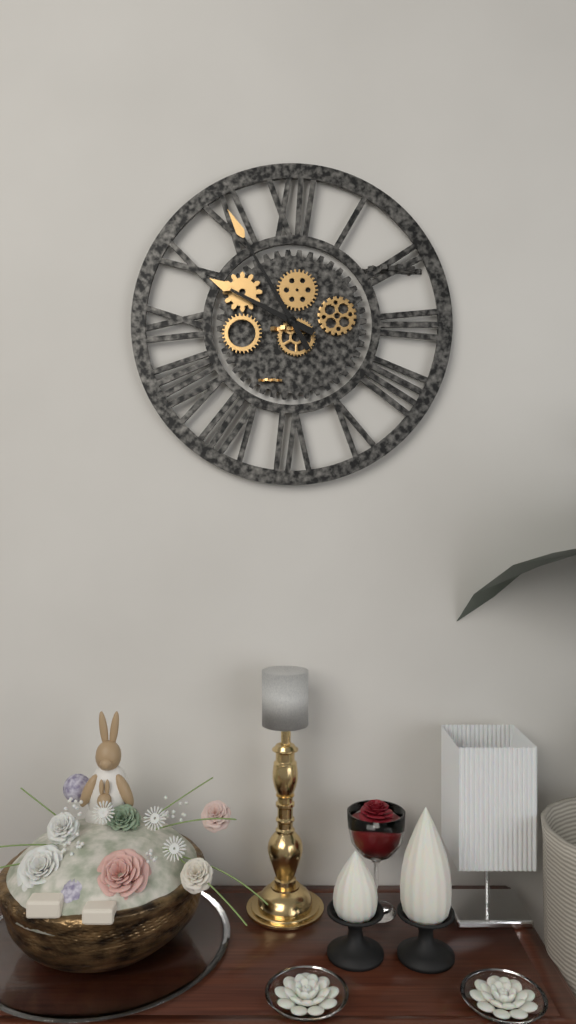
{"hour": 9, "minute": 55}
